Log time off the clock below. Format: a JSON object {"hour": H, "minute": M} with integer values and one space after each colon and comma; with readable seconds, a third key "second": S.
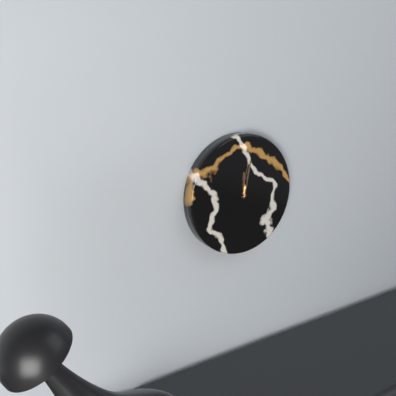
{"hour": 12, "minute": 2}
